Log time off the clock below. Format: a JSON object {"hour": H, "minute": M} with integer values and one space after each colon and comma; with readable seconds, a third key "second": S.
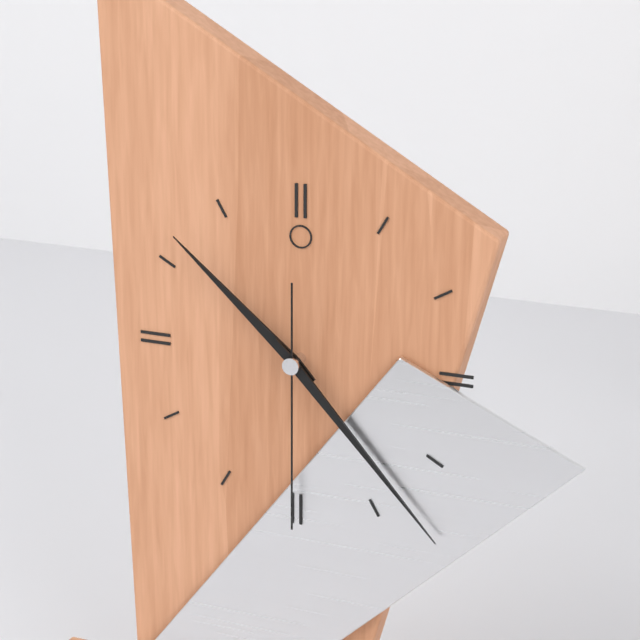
{"hour": 10, "minute": 23, "second": 30}
